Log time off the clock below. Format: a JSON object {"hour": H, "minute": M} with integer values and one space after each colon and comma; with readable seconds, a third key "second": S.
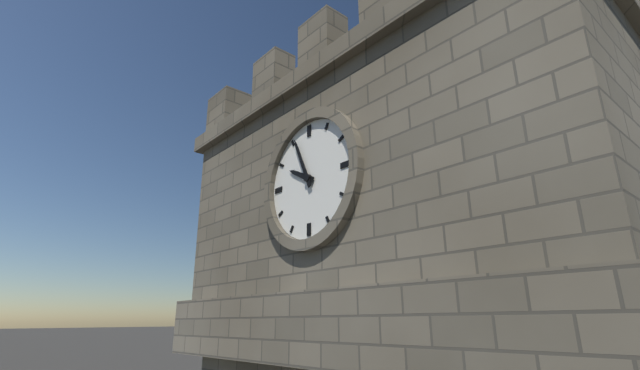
{"hour": 9, "minute": 56}
